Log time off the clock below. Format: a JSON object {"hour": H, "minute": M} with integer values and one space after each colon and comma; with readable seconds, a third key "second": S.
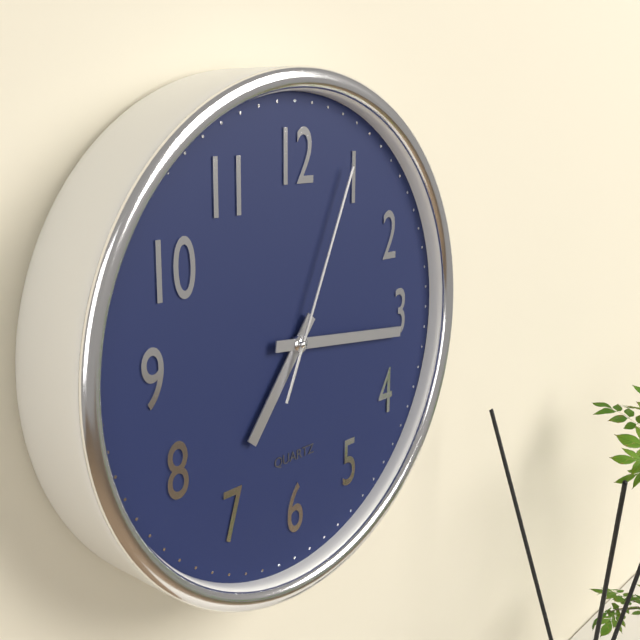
{"hour": 7, "minute": 16, "second": 4}
